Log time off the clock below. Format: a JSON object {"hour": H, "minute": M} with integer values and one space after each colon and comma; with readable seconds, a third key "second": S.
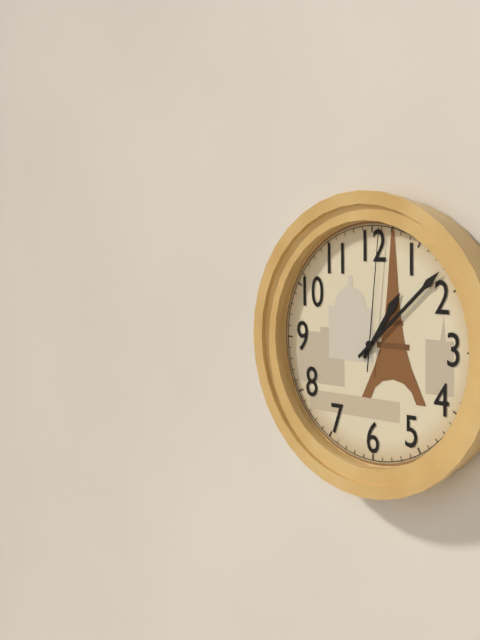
{"hour": 1, "minute": 8, "second": 1}
